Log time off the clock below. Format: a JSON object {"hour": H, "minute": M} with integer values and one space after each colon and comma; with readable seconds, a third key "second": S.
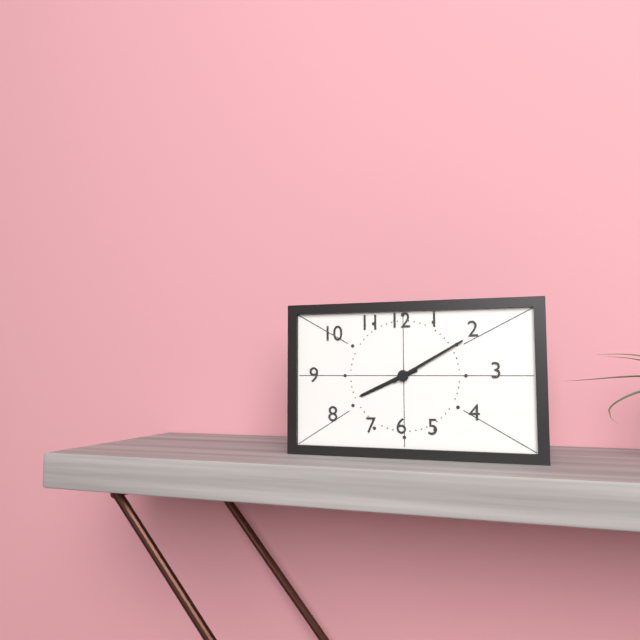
{"hour": 8, "minute": 10}
